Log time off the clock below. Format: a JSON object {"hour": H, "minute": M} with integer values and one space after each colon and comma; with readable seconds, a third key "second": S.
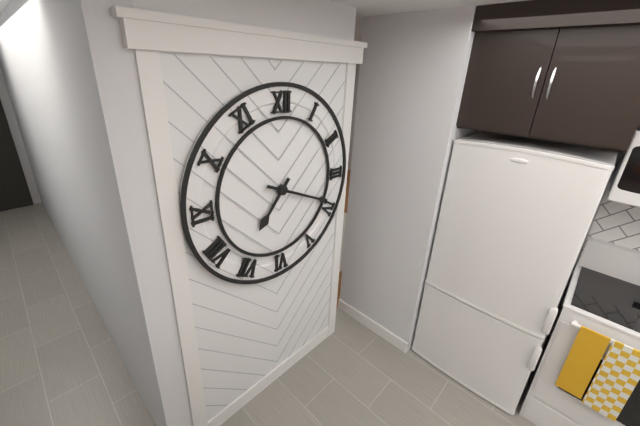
{"hour": 7, "minute": 19}
